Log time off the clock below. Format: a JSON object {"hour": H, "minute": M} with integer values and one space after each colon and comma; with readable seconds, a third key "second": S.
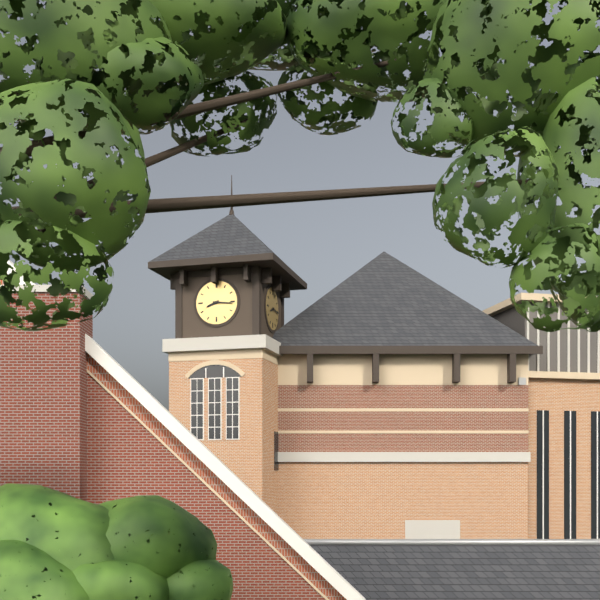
{"hour": 8, "minute": 16}
